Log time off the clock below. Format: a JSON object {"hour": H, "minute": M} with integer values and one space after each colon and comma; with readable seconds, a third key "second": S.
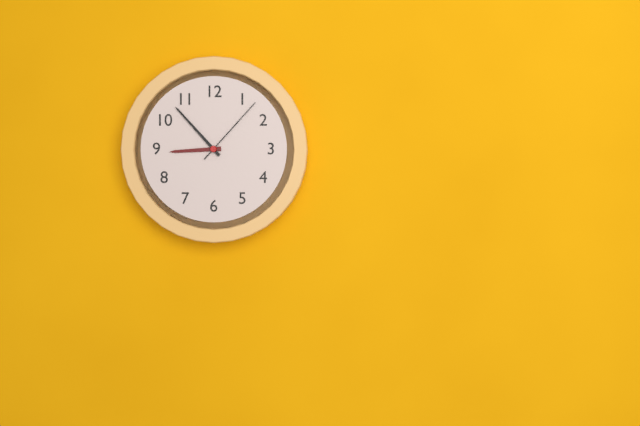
{"hour": 8, "minute": 53, "second": 7}
